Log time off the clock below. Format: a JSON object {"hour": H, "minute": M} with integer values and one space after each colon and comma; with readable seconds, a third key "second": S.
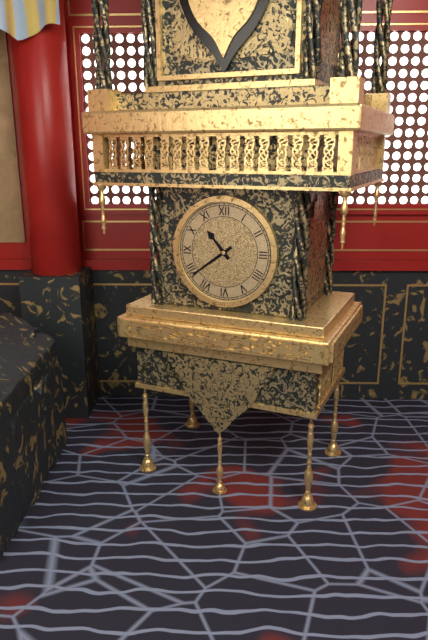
{"hour": 10, "minute": 39}
